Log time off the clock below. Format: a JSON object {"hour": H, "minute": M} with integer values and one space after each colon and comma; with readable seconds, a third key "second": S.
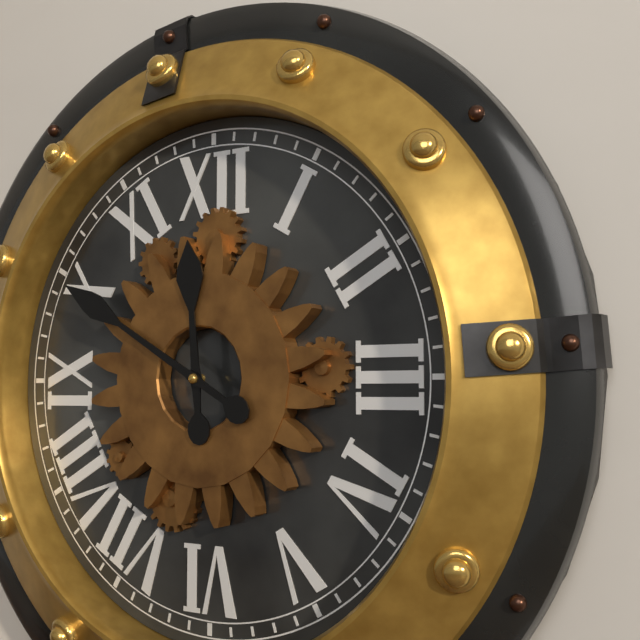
{"hour": 11, "minute": 50}
